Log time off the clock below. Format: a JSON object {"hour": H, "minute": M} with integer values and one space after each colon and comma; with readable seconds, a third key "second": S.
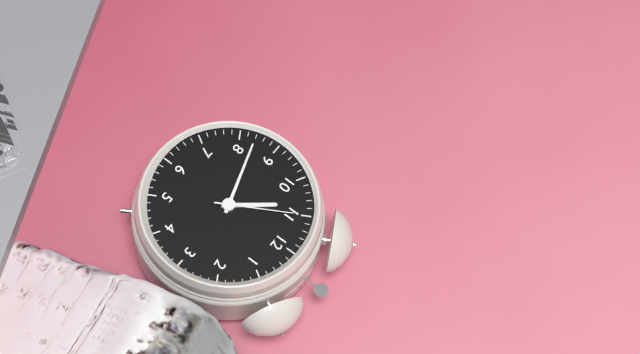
{"hour": 10, "minute": 42, "second": 55}
